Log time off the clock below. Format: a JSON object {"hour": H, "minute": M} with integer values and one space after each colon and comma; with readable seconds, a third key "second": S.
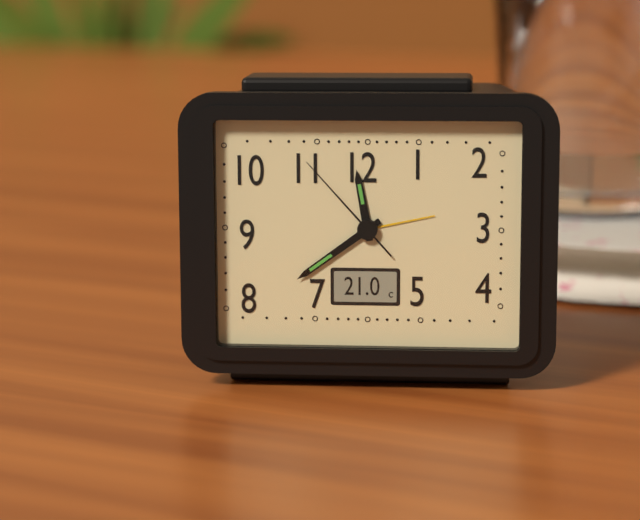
{"hour": 11, "minute": 39, "second": 53}
